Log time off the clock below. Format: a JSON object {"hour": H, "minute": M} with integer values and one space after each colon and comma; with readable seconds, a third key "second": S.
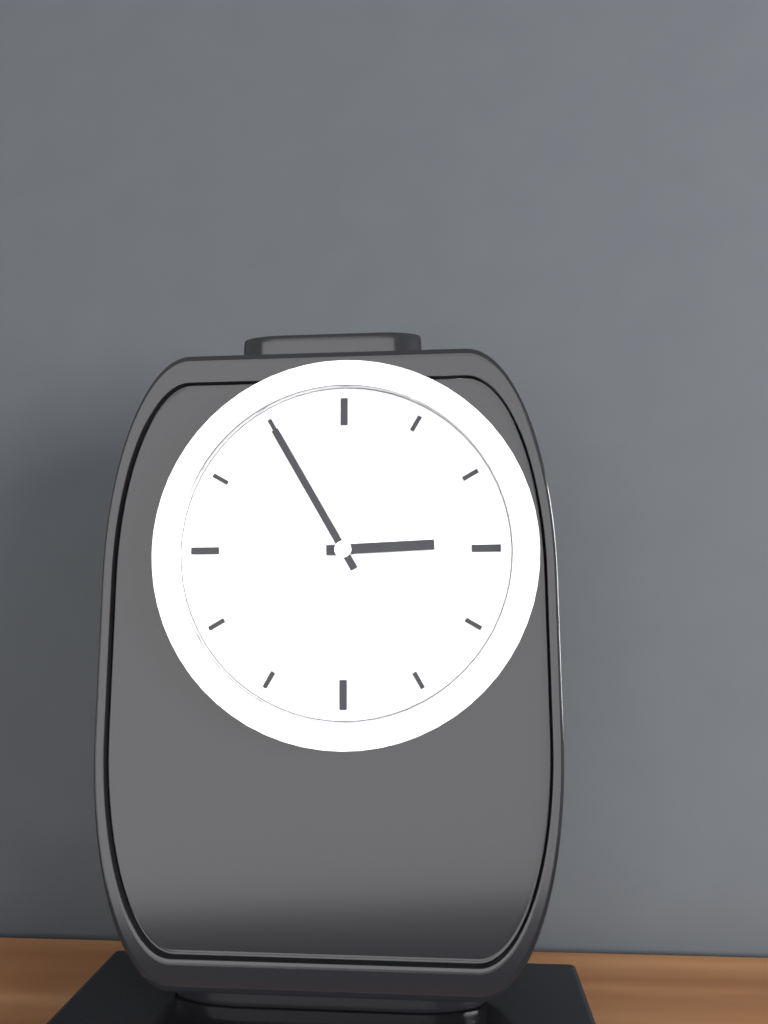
{"hour": 2, "minute": 55}
